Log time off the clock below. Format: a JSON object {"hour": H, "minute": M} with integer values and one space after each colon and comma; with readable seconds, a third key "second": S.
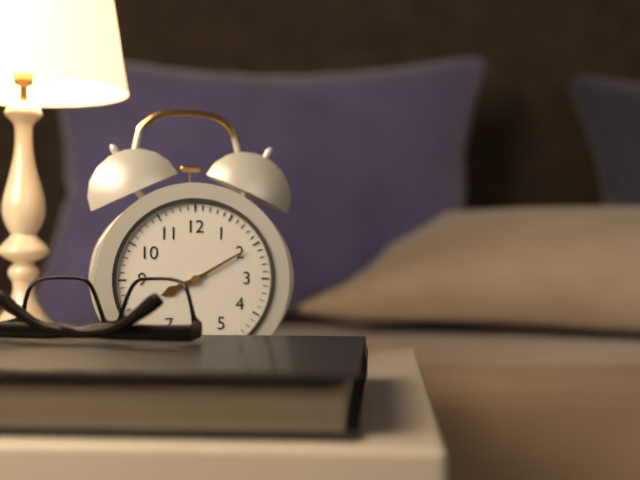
{"hour": 8, "minute": 10}
